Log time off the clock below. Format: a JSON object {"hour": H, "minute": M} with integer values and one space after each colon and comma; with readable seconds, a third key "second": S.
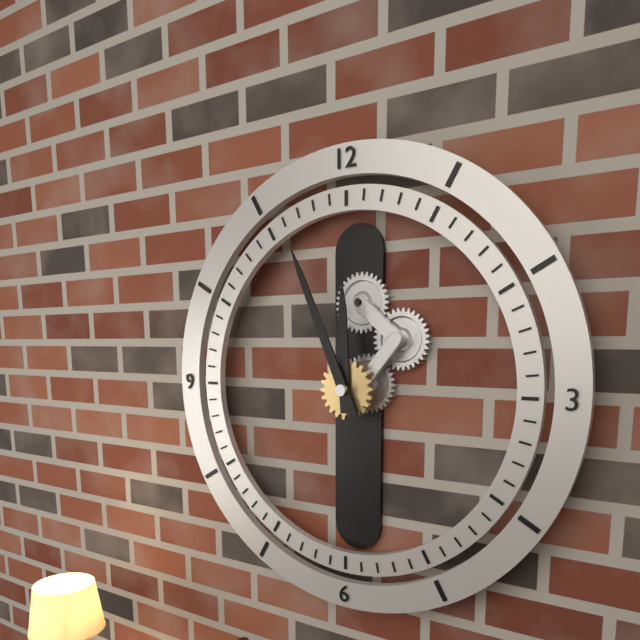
{"hour": 11, "minute": 56}
